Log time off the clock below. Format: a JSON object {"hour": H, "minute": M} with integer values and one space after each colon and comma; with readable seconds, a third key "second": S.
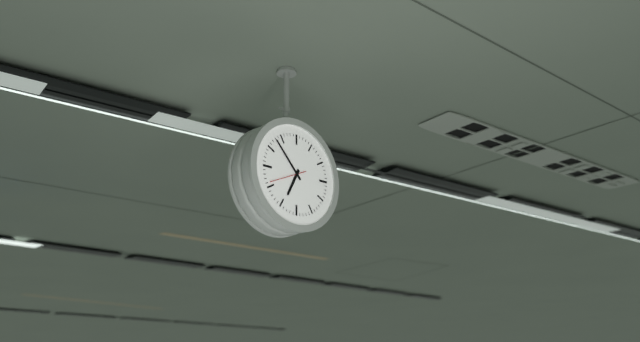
{"hour": 6, "minute": 53}
